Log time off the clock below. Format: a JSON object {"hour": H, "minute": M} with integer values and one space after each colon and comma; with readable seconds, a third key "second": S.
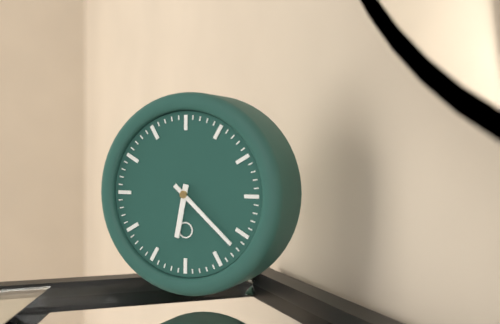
{"hour": 6, "minute": 22}
